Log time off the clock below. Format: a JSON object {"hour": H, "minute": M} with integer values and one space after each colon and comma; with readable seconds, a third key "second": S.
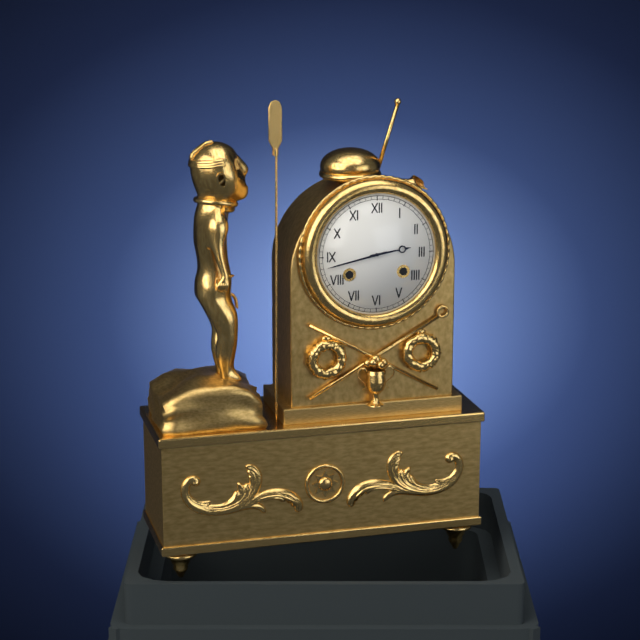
{"hour": 2, "minute": 43}
